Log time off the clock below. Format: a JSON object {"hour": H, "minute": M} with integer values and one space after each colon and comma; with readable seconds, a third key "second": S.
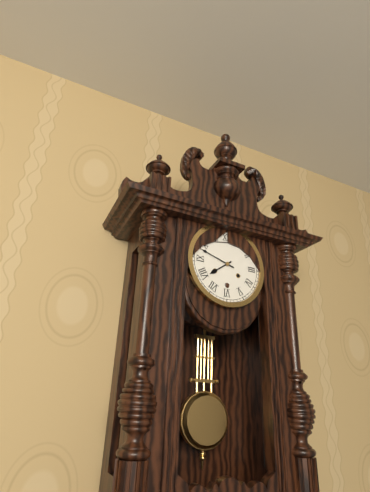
{"hour": 7, "minute": 48}
